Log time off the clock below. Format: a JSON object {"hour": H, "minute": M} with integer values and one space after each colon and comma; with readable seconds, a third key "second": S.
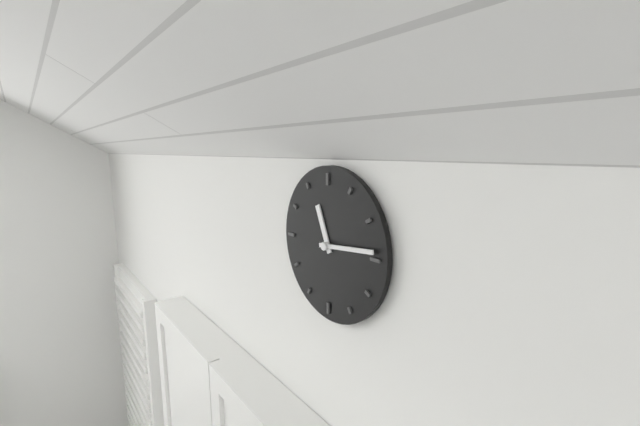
{"hour": 11, "minute": 14}
